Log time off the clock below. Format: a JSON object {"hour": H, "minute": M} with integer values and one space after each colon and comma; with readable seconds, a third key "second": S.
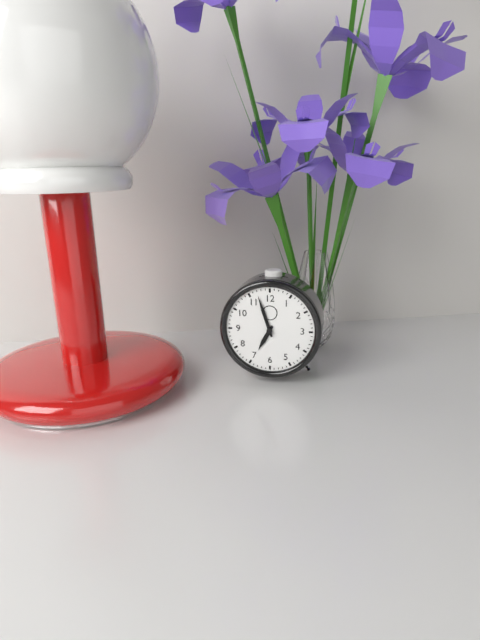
{"hour": 6, "minute": 57}
